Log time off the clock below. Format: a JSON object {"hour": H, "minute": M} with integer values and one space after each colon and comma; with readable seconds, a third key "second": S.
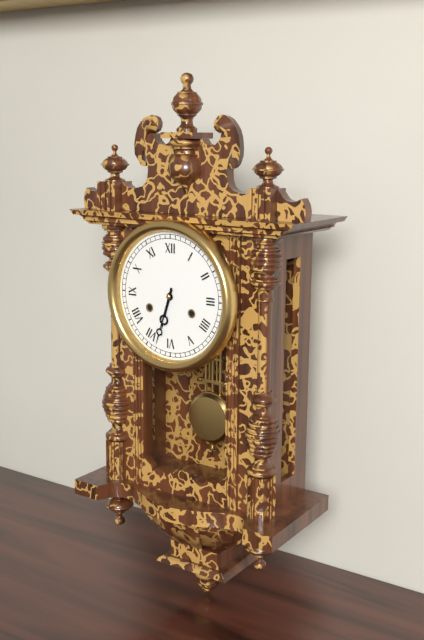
{"hour": 6, "minute": 33}
